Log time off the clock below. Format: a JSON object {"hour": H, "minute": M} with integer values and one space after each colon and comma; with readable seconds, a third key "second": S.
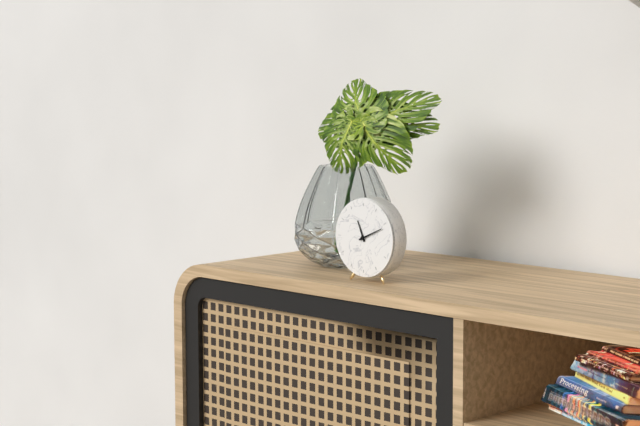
{"hour": 11, "minute": 11}
